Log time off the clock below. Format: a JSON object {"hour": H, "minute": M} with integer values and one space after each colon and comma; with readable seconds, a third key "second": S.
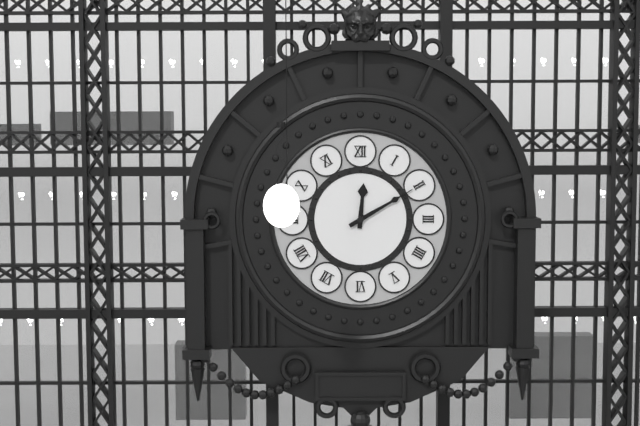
{"hour": 12, "minute": 10}
